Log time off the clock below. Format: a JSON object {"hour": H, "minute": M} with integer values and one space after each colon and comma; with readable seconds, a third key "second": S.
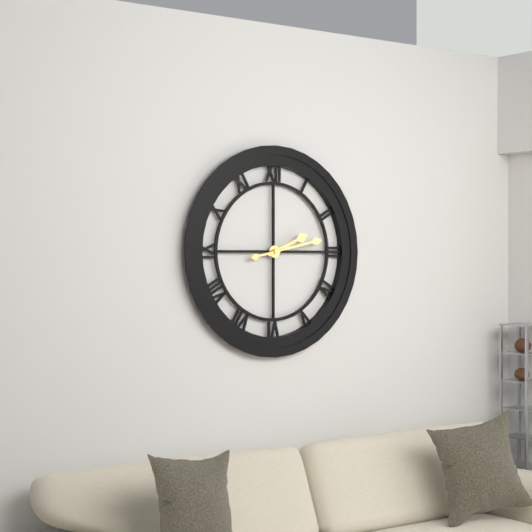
{"hour": 2, "minute": 13}
